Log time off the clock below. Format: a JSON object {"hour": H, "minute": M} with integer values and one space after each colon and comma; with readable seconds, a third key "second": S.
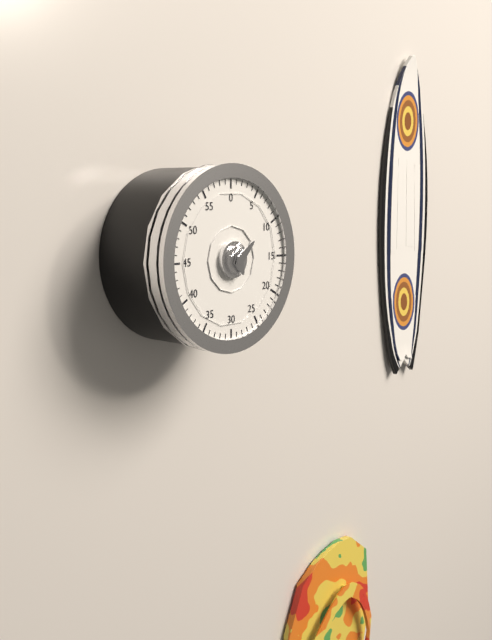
{"hour": 5, "minute": 8}
